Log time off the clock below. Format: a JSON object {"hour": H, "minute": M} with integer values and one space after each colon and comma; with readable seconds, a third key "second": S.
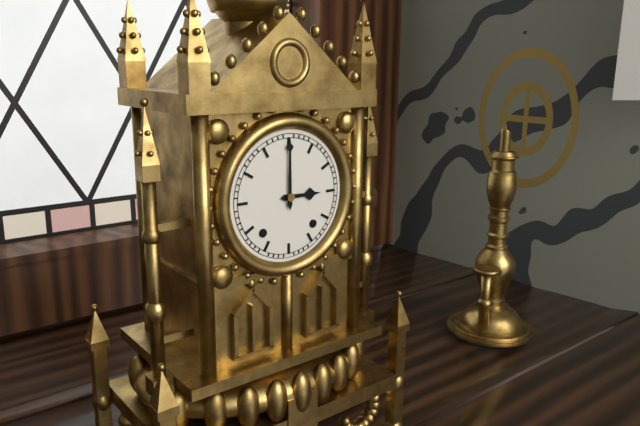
{"hour": 3, "minute": 0}
